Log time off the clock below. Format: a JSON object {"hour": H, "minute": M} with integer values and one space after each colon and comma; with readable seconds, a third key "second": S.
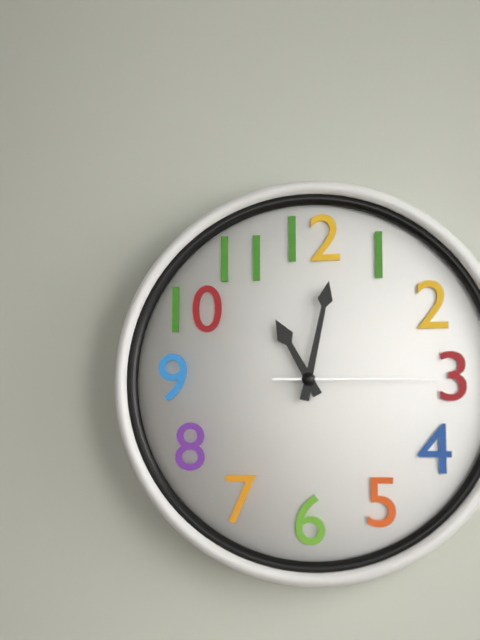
{"hour": 11, "minute": 2, "second": 15}
